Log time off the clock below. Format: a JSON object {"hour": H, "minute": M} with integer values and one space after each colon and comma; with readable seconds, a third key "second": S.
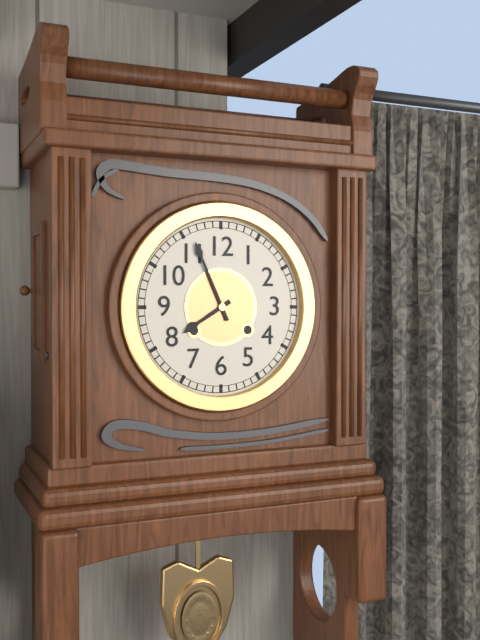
{"hour": 7, "minute": 56}
